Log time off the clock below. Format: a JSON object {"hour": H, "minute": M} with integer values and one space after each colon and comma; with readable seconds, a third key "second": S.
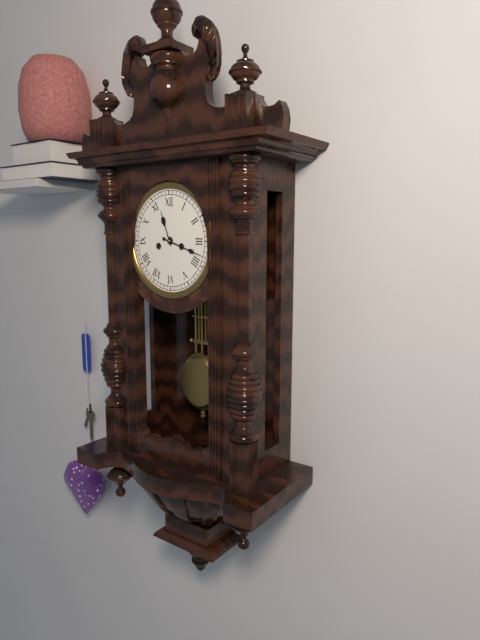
{"hour": 11, "minute": 18}
